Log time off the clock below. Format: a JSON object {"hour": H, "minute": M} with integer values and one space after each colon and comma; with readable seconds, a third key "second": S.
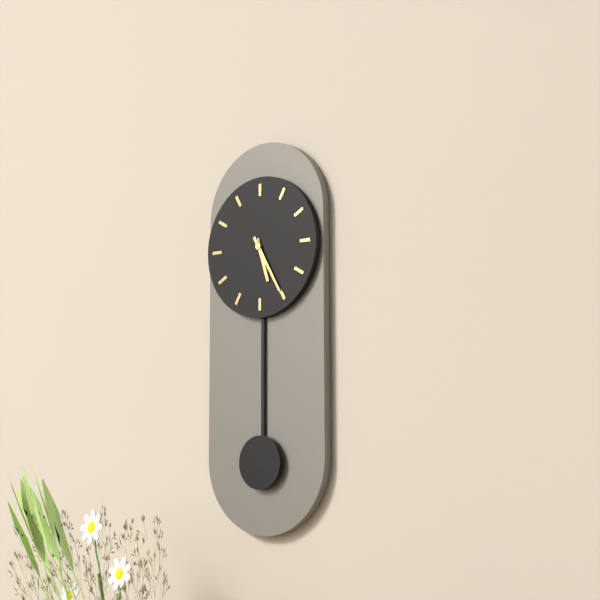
{"hour": 5, "minute": 25}
